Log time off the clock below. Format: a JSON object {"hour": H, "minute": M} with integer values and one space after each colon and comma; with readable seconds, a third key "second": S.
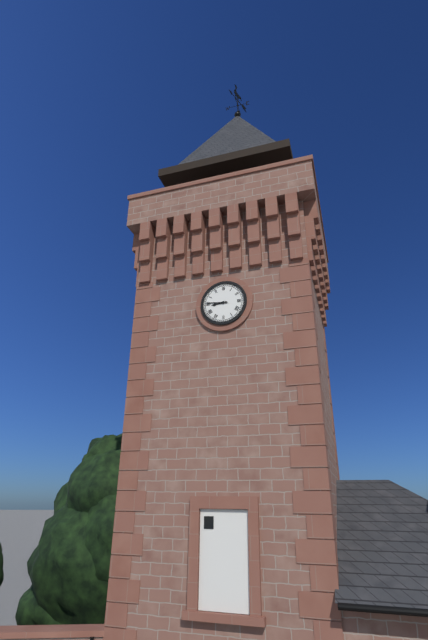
{"hour": 8, "minute": 46}
